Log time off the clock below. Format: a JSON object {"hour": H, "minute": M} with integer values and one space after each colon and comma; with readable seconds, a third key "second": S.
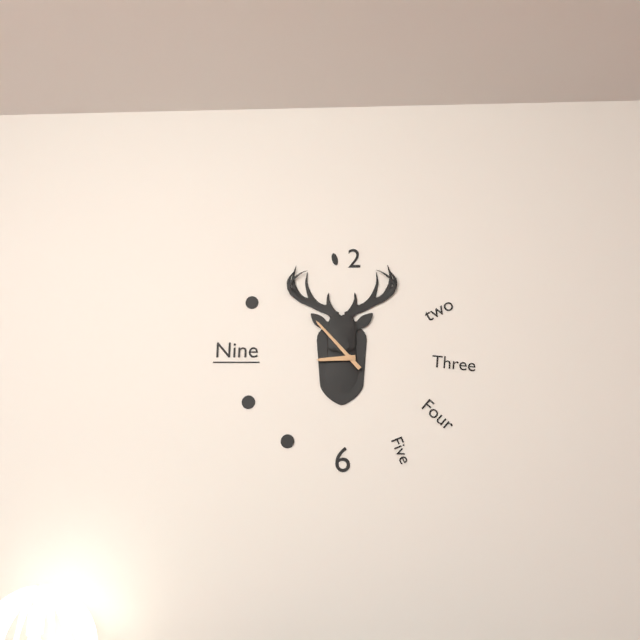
{"hour": 8, "minute": 53}
